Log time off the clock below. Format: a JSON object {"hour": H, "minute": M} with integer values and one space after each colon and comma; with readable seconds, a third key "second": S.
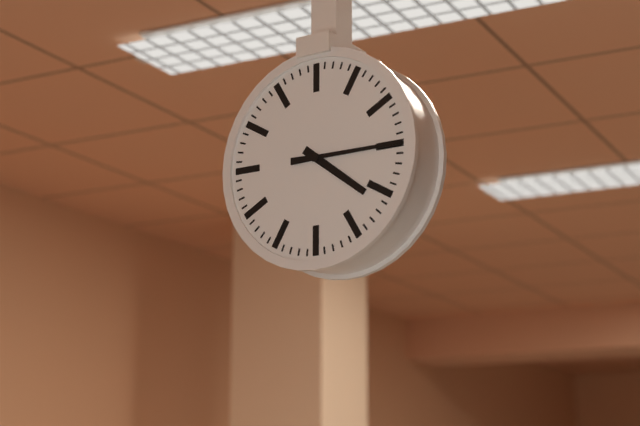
{"hour": 4, "minute": 15}
